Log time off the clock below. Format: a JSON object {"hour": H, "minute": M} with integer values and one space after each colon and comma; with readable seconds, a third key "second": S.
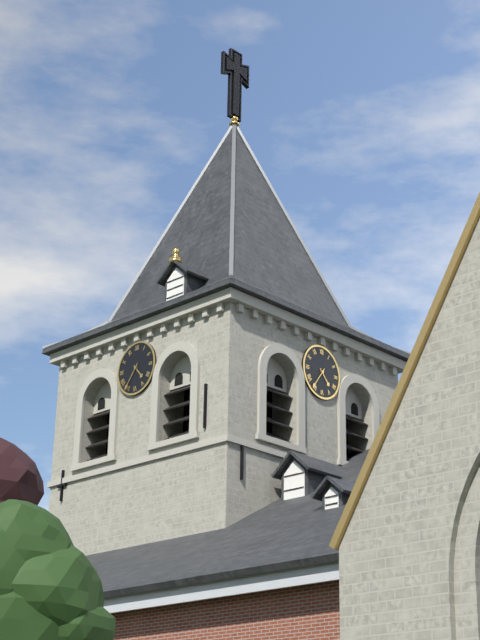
{"hour": 4, "minute": 36}
